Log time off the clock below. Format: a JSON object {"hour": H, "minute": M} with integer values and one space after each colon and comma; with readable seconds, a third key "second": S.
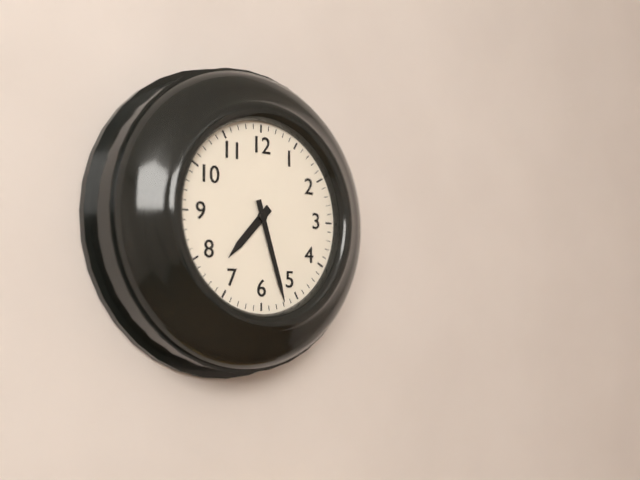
{"hour": 7, "minute": 27}
